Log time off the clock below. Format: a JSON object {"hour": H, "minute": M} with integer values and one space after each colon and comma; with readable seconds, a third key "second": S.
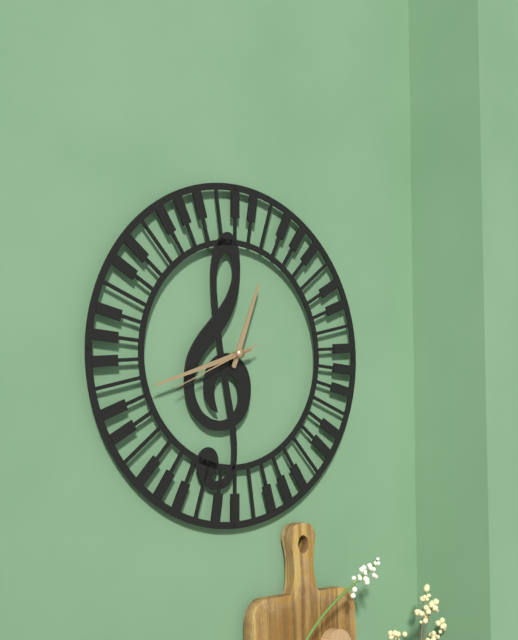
{"hour": 12, "minute": 42, "second": 41}
